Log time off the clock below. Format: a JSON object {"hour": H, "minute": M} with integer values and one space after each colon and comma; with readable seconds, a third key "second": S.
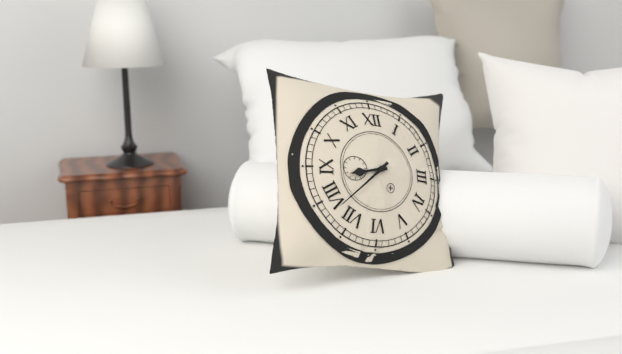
{"hour": 8, "minute": 38}
